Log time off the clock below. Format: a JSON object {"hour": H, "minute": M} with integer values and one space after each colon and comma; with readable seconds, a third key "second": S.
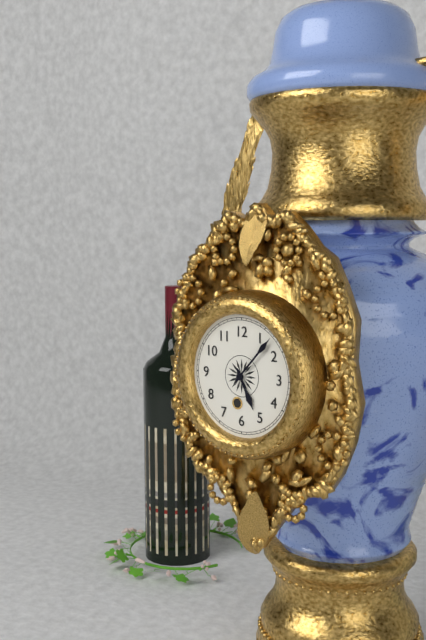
{"hour": 5, "minute": 7}
